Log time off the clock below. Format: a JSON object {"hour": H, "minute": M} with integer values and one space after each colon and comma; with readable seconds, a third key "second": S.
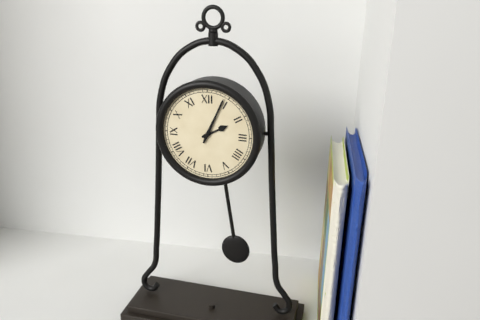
{"hour": 2, "minute": 4}
